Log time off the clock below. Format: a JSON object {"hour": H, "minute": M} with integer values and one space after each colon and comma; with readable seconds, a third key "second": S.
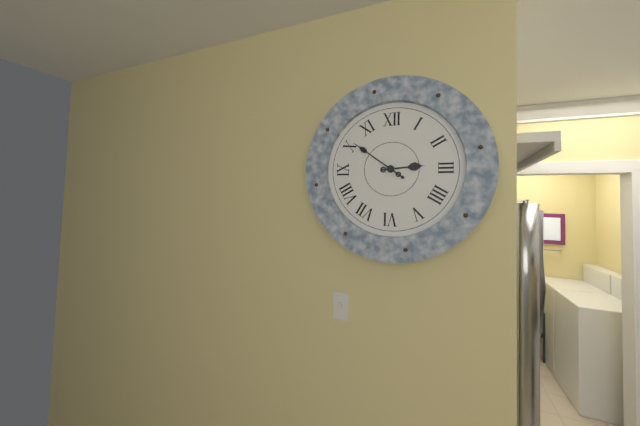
{"hour": 2, "minute": 51}
